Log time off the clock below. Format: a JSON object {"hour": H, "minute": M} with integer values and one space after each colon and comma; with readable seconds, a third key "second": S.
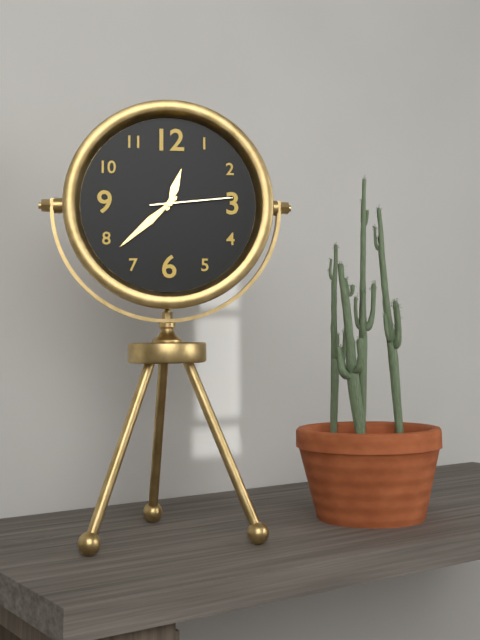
{"hour": 12, "minute": 38, "second": 14}
